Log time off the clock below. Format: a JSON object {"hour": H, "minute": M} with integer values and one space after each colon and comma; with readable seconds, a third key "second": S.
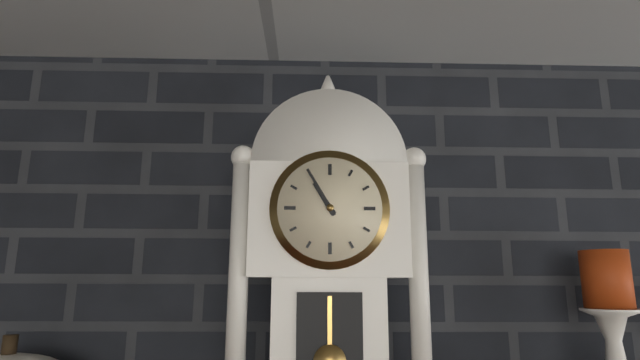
{"hour": 10, "minute": 55}
